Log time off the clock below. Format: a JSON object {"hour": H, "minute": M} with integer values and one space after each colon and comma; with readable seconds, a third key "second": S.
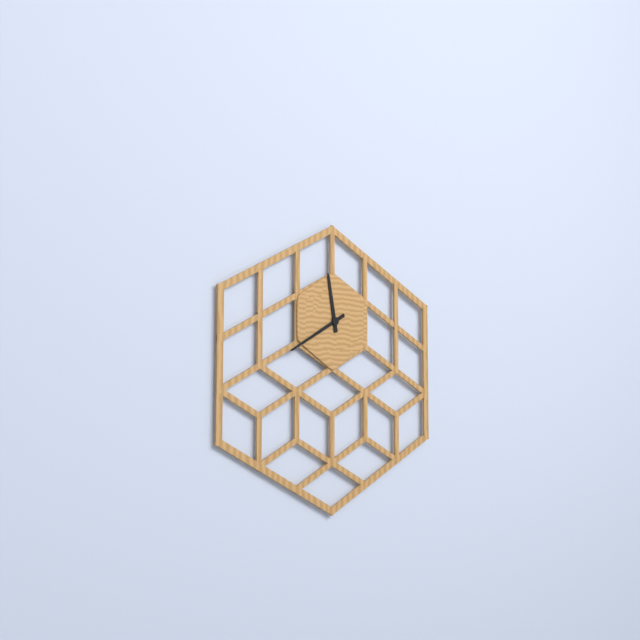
{"hour": 11, "minute": 40}
